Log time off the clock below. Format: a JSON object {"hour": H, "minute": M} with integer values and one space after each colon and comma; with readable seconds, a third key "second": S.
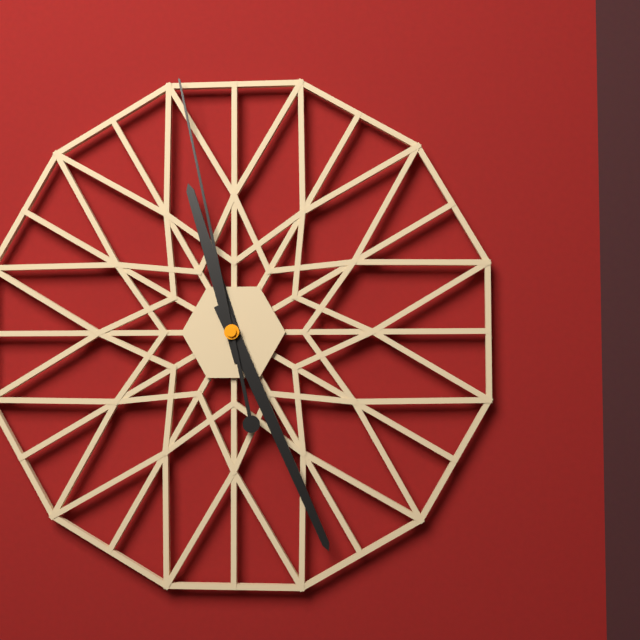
{"hour": 11, "minute": 26, "second": 58}
